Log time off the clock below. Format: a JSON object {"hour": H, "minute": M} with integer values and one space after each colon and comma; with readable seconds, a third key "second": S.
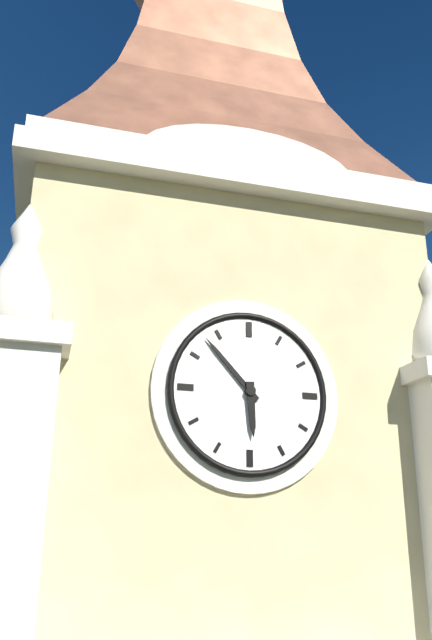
{"hour": 5, "minute": 53}
